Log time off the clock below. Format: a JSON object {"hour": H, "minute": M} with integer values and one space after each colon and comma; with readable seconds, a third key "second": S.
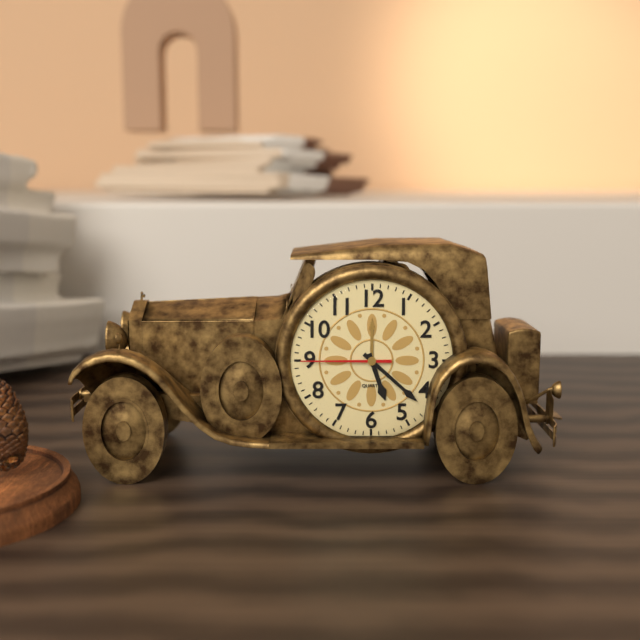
{"hour": 5, "minute": 22, "second": 45}
